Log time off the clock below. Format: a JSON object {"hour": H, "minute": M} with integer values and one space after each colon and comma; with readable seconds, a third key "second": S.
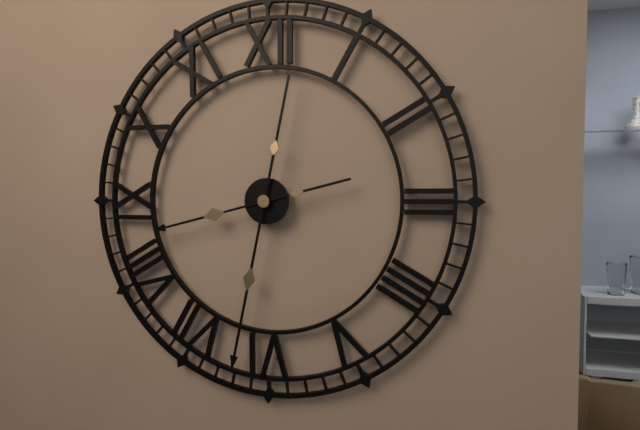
{"hour": 8, "minute": 32}
